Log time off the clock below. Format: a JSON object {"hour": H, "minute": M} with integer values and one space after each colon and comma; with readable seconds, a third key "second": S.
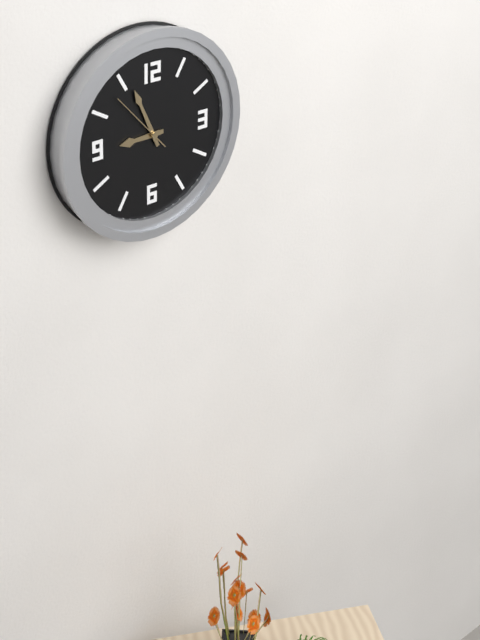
{"hour": 8, "minute": 56, "second": 53}
